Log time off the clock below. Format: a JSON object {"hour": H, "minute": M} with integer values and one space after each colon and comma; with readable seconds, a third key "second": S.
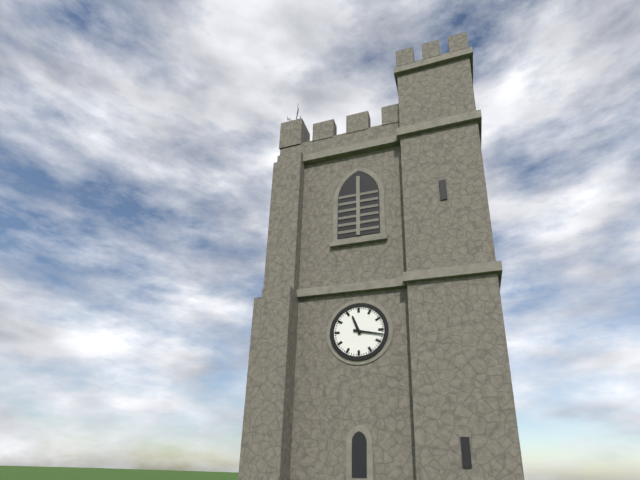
{"hour": 11, "minute": 17}
